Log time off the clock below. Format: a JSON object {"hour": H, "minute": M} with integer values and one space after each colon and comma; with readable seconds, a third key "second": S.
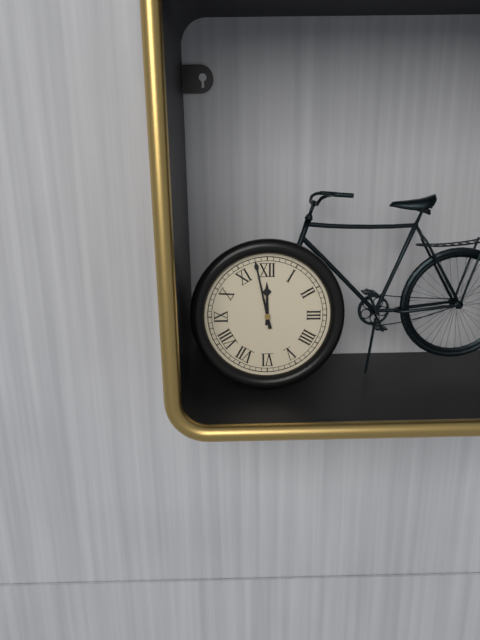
{"hour": 11, "minute": 58}
